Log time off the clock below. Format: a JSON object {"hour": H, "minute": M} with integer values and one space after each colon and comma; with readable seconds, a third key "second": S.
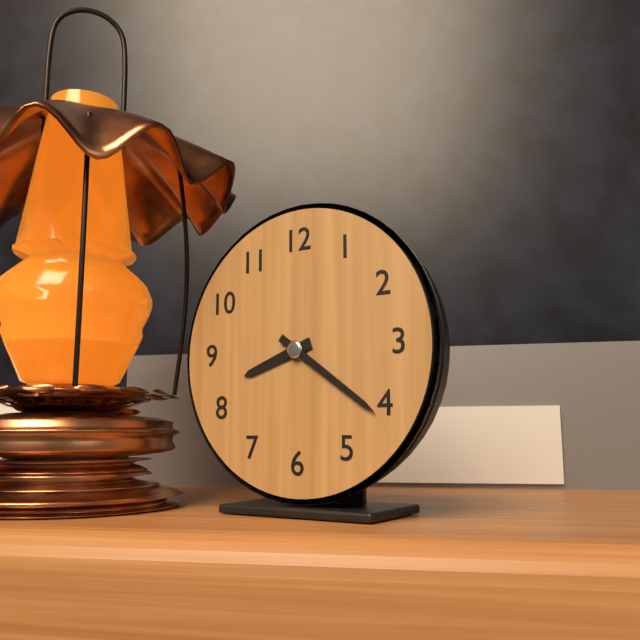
{"hour": 8, "minute": 21}
